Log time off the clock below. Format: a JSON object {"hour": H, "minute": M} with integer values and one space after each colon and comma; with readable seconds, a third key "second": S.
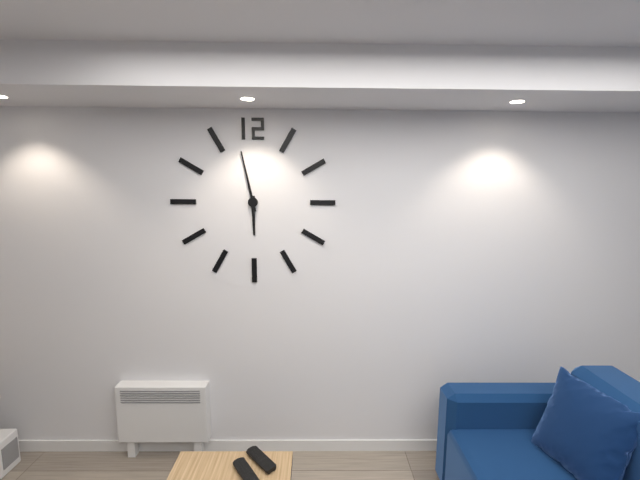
{"hour": 5, "minute": 58}
